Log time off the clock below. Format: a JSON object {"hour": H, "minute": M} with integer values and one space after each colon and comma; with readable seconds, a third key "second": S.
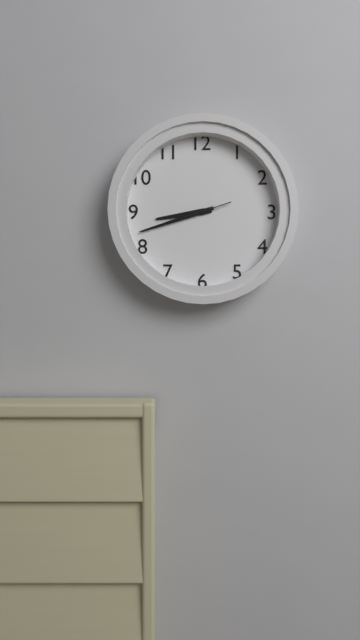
{"hour": 8, "minute": 42, "second": 42}
